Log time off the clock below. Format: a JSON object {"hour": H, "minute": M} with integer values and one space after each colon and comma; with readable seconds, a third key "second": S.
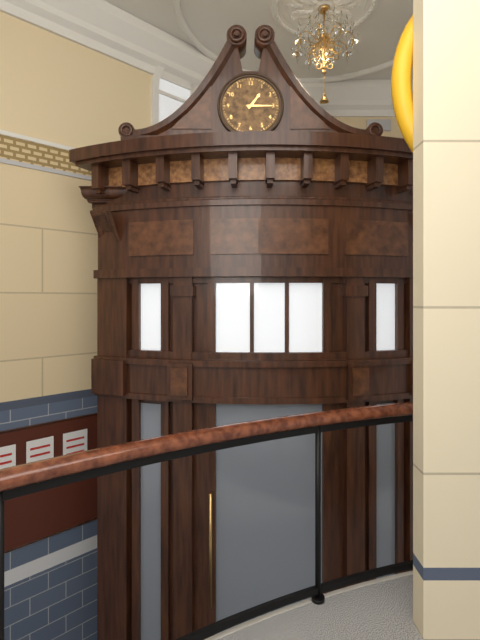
{"hour": 1, "minute": 15}
